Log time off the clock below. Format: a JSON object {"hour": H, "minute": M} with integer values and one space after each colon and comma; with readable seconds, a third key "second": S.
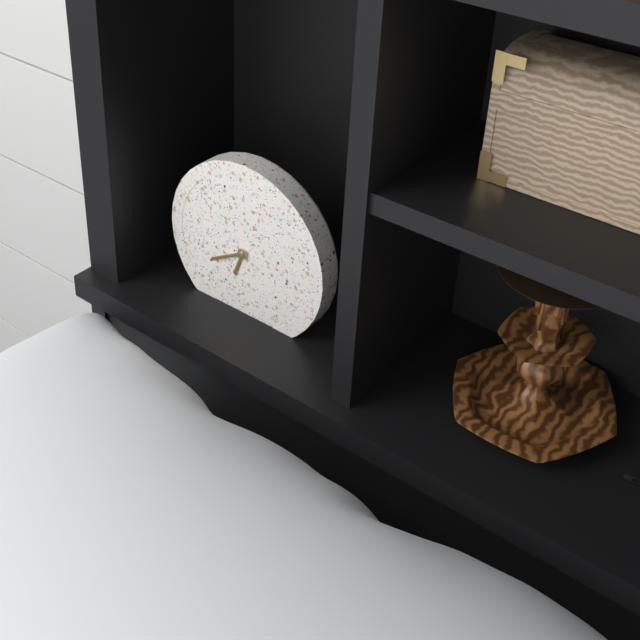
{"hour": 6, "minute": 40}
